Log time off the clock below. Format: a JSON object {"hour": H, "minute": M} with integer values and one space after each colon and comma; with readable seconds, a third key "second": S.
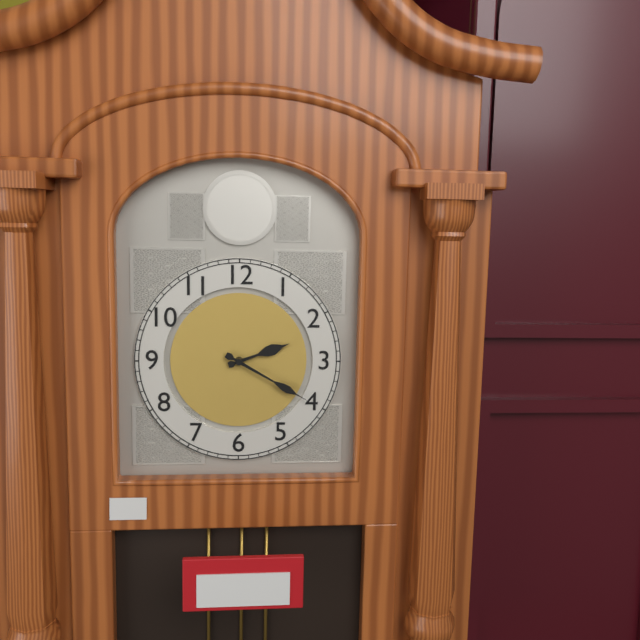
{"hour": 2, "minute": 20}
